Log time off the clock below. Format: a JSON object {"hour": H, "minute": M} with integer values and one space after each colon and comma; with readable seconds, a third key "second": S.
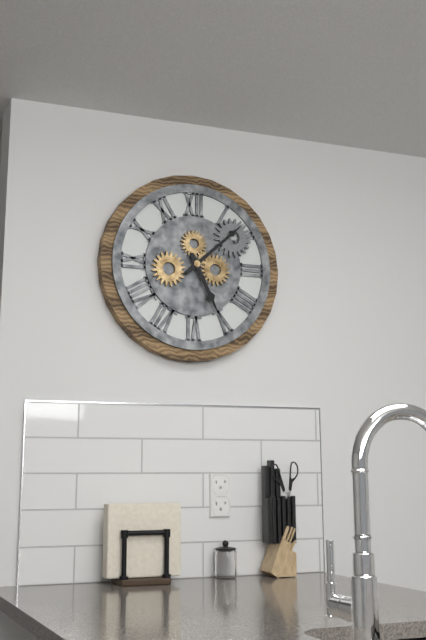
{"hour": 5, "minute": 8}
